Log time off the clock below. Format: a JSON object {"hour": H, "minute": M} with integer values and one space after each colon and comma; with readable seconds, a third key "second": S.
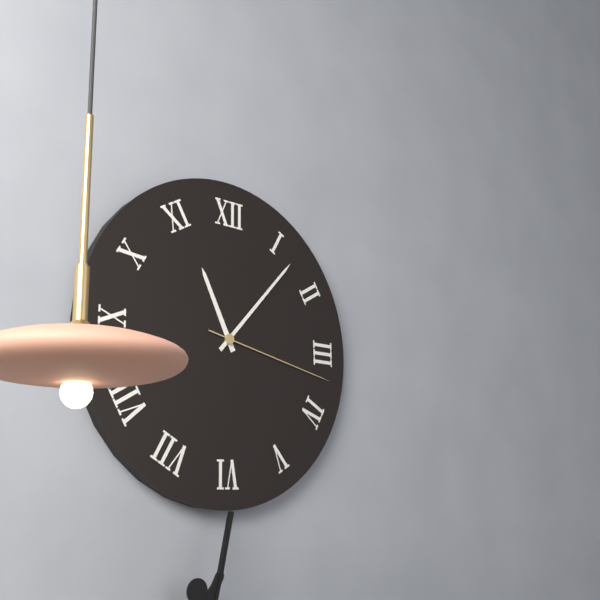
{"hour": 11, "minute": 7, "second": 17}
